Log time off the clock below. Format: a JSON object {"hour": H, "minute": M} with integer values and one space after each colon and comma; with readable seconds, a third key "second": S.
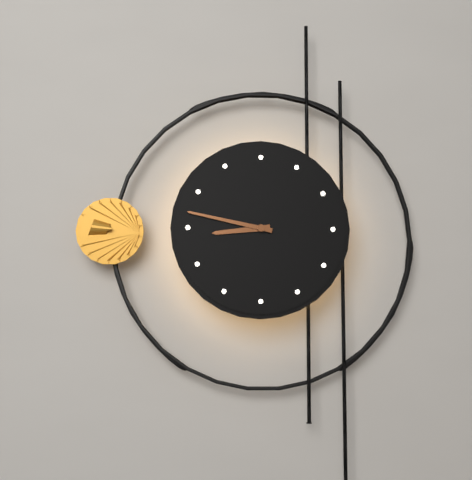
{"hour": 8, "minute": 47}
